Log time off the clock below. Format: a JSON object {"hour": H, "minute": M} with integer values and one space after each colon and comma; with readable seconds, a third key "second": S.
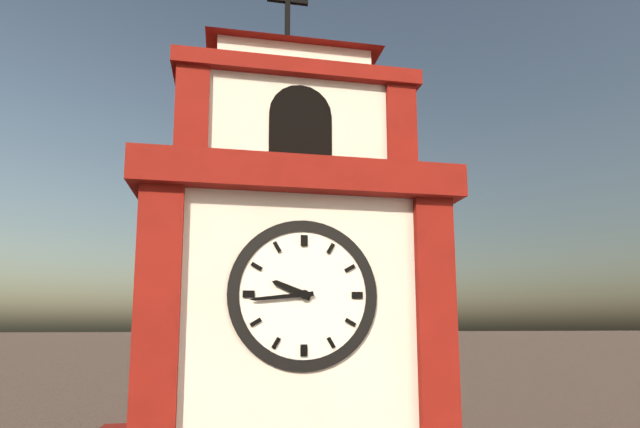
{"hour": 9, "minute": 44}
